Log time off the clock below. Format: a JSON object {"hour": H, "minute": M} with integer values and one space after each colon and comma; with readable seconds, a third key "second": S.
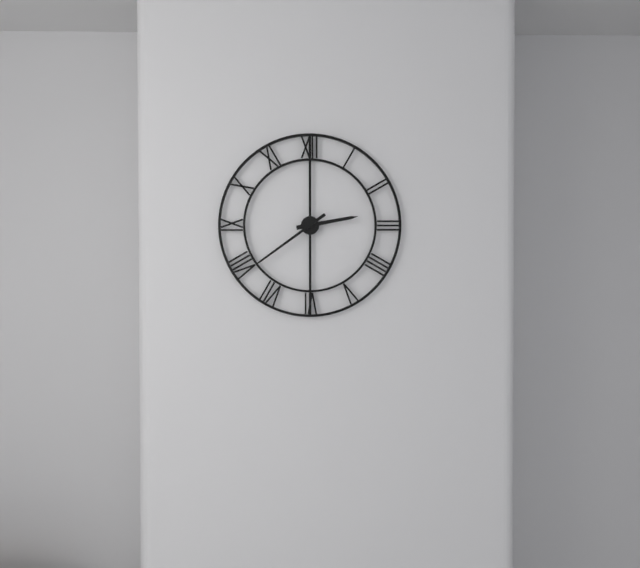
{"hour": 2, "minute": 39}
